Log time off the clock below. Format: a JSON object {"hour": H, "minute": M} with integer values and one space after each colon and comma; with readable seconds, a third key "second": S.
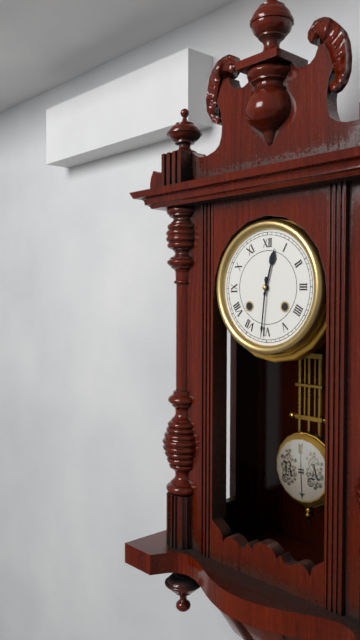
{"hour": 12, "minute": 31}
